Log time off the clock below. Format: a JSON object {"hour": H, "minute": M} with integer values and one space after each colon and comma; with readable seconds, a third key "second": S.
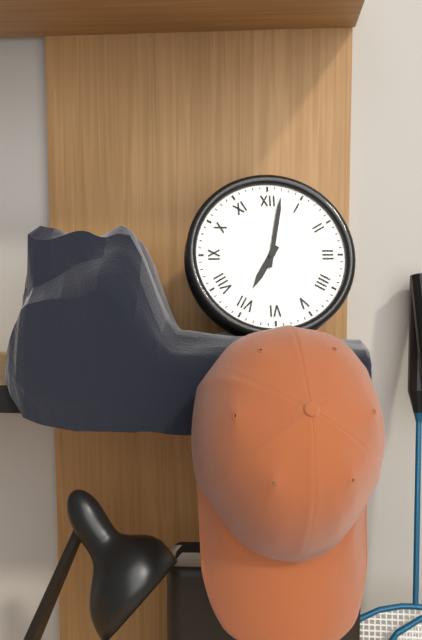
{"hour": 7, "minute": 2}
